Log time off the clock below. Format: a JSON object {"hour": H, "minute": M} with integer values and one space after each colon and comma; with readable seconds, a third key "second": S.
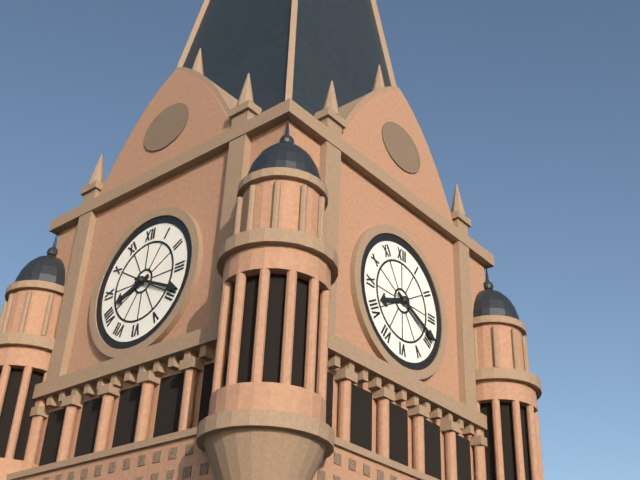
{"hour": 8, "minute": 19}
